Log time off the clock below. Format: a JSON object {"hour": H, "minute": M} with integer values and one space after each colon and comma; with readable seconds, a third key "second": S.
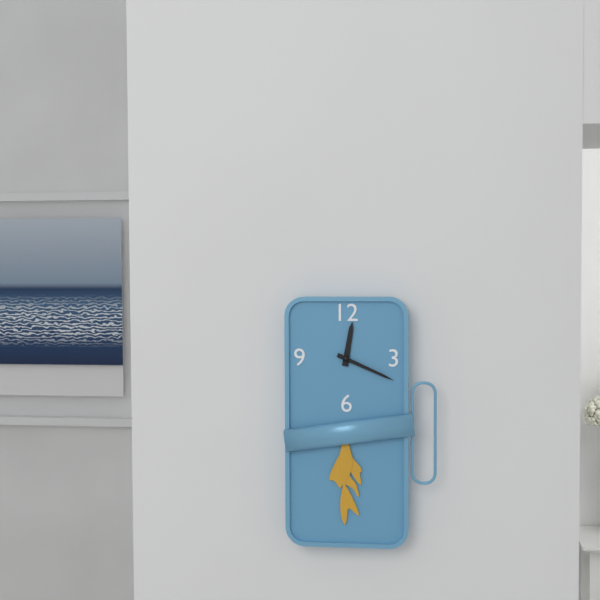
{"hour": 12, "minute": 19}
